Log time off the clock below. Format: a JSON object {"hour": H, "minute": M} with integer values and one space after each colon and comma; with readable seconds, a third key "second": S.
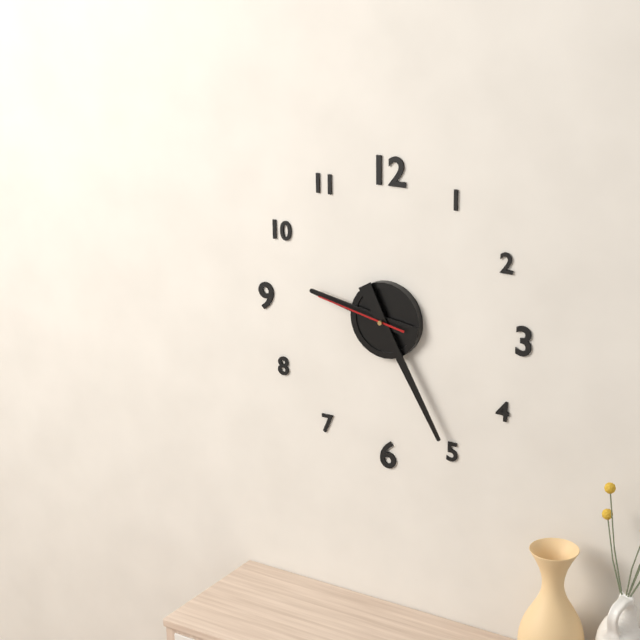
{"hour": 9, "minute": 25, "second": 47}
